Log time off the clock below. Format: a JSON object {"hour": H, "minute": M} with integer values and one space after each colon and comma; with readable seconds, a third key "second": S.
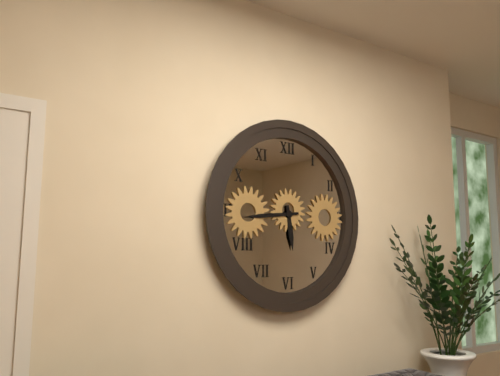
{"hour": 5, "minute": 44}
